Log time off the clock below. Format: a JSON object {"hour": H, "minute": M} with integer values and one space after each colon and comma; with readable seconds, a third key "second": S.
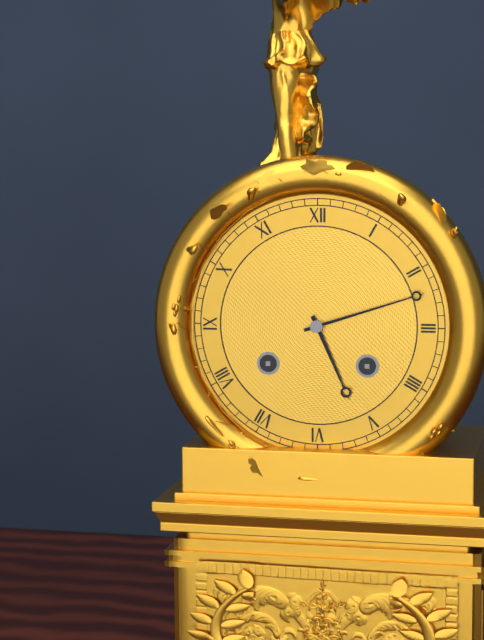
{"hour": 5, "minute": 12}
